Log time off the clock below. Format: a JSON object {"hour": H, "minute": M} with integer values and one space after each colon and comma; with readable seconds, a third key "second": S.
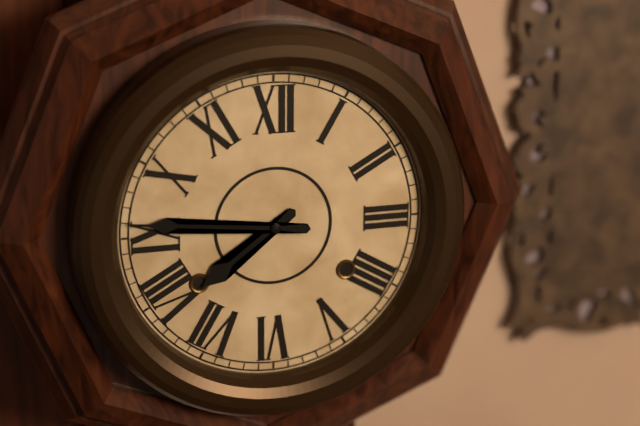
{"hour": 7, "minute": 46}
